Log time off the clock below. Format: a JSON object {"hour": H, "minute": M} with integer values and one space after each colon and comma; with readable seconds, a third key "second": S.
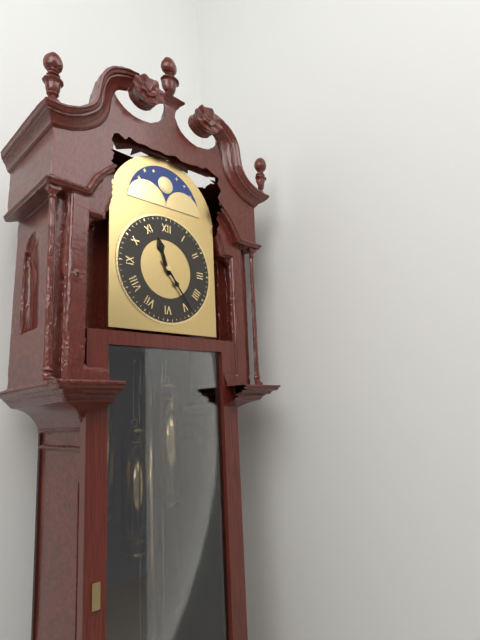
{"hour": 11, "minute": 24}
